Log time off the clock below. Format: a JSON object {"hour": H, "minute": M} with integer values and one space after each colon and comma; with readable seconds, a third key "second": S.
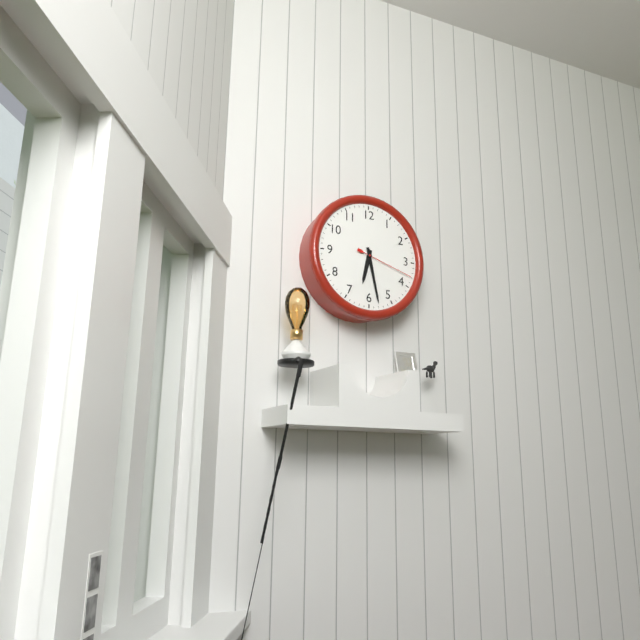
{"hour": 6, "minute": 28, "second": 18}
